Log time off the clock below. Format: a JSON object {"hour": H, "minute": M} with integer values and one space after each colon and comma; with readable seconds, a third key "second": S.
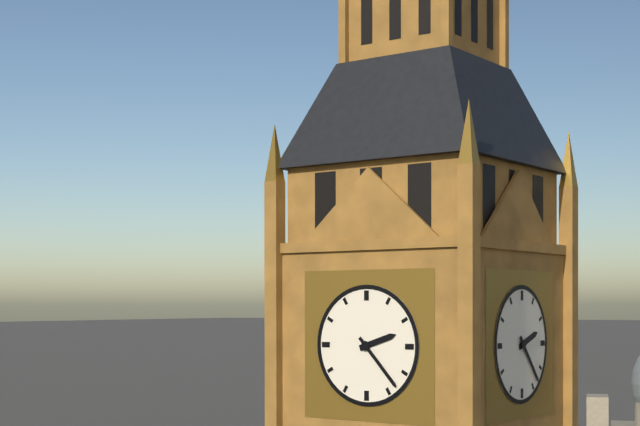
{"hour": 2, "minute": 23}
